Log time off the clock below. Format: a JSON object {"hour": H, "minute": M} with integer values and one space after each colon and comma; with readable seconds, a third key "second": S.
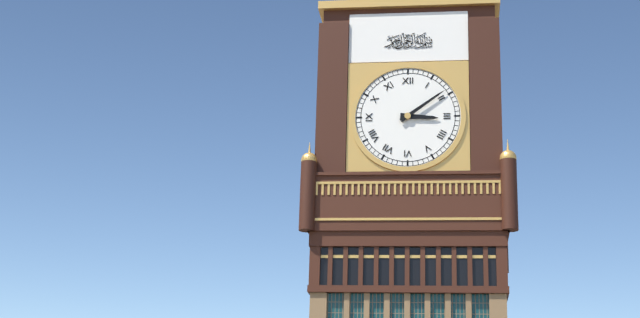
{"hour": 3, "minute": 9}
